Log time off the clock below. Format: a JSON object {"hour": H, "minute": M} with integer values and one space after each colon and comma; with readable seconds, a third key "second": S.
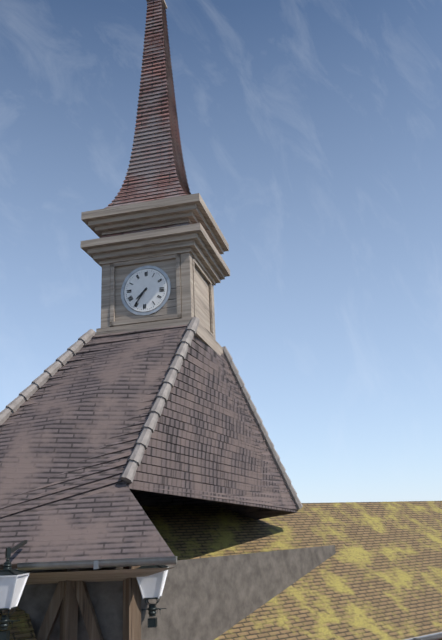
{"hour": 7, "minute": 36}
